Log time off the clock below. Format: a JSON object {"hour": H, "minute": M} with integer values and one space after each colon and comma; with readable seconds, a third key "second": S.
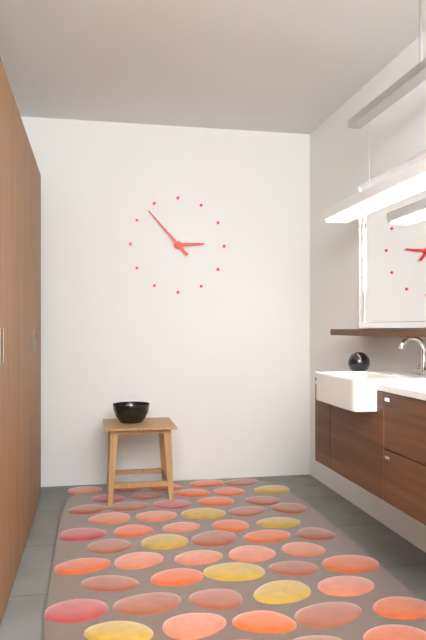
{"hour": 2, "minute": 53}
